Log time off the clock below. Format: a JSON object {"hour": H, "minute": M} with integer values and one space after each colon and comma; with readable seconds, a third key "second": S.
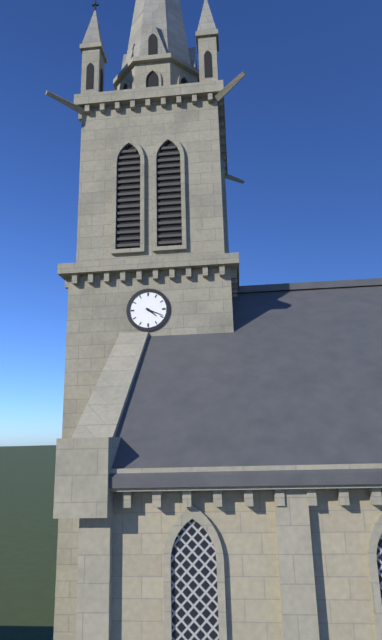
{"hour": 4, "minute": 19}
